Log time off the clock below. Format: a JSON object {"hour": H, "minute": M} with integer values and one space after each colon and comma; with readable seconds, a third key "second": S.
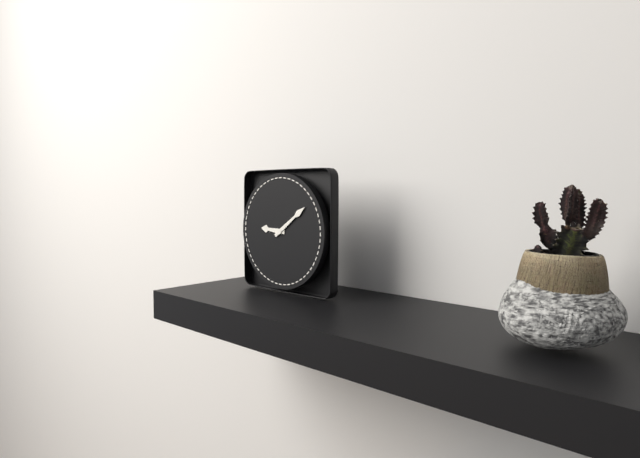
{"hour": 9, "minute": 9}
